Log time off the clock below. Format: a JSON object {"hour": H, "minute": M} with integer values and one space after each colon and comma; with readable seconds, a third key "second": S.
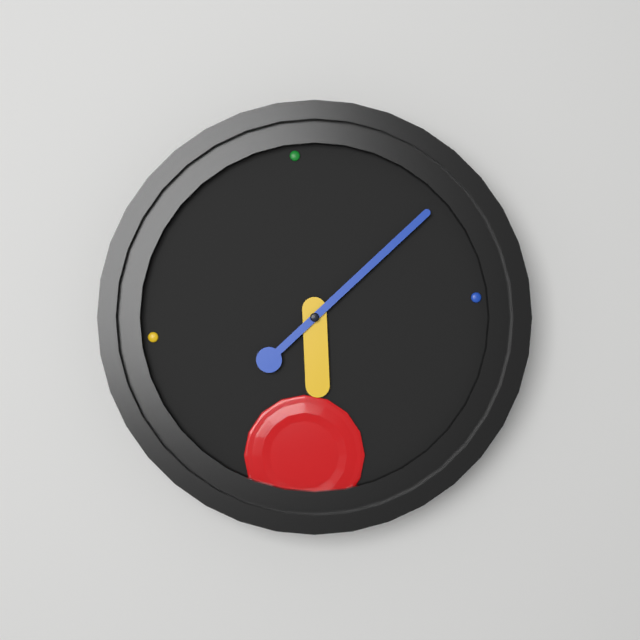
{"hour": 6, "minute": 9}
